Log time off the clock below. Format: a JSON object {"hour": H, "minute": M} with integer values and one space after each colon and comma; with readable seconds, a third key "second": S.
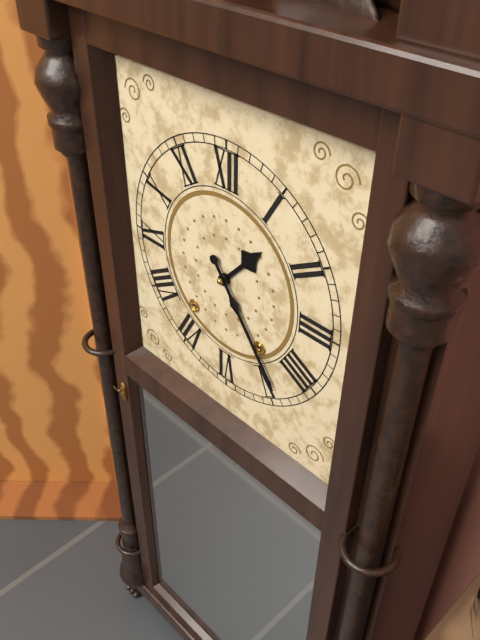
{"hour": 1, "minute": 24}
